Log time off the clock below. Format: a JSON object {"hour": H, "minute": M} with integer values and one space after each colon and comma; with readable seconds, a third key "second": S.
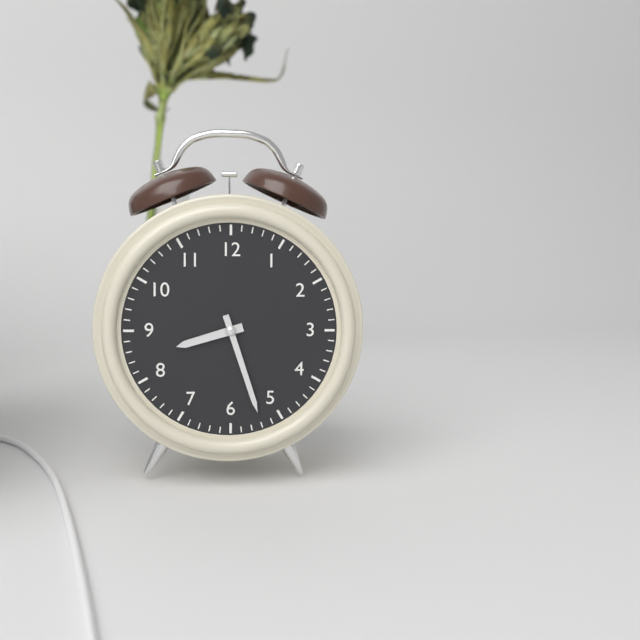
{"hour": 8, "minute": 27}
